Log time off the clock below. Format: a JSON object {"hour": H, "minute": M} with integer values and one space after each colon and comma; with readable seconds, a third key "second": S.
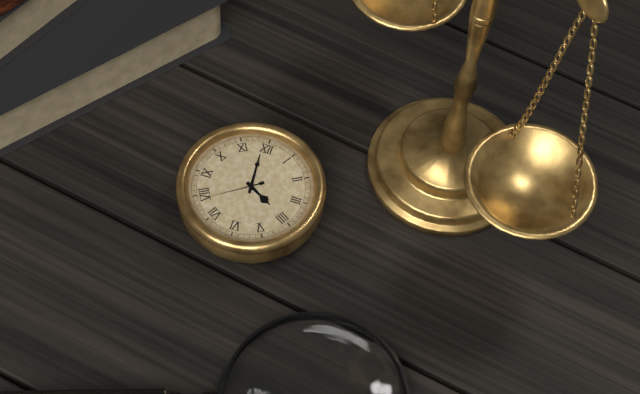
{"hour": 3, "minute": 59, "second": 39}
